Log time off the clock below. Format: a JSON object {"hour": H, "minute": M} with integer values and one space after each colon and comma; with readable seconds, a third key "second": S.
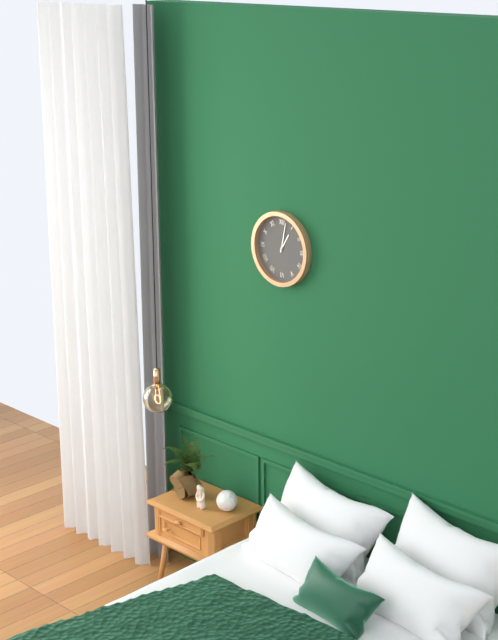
{"hour": 1, "minute": 2}
